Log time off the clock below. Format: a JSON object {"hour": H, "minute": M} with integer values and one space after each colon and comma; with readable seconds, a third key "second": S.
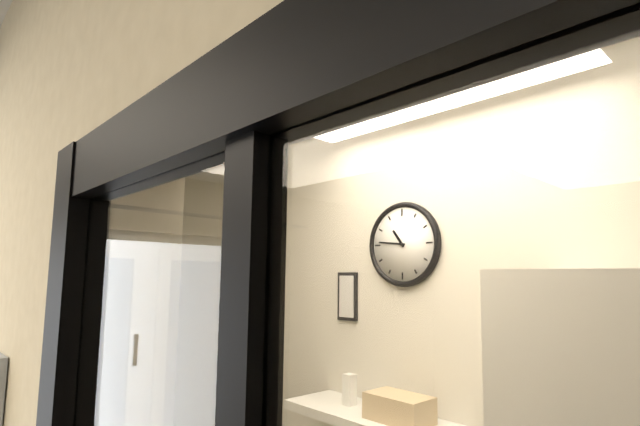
{"hour": 10, "minute": 46}
